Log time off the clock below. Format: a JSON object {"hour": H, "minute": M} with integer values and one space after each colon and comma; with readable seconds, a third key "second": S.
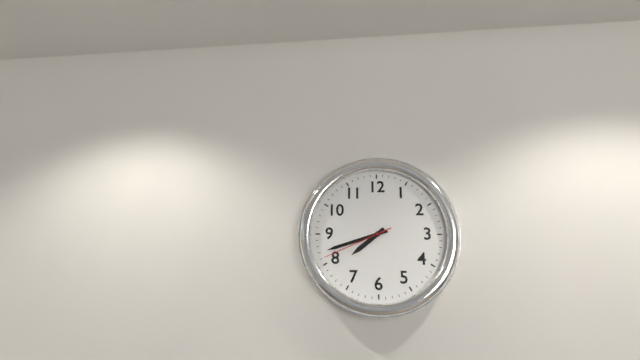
{"hour": 7, "minute": 42, "second": 41}
